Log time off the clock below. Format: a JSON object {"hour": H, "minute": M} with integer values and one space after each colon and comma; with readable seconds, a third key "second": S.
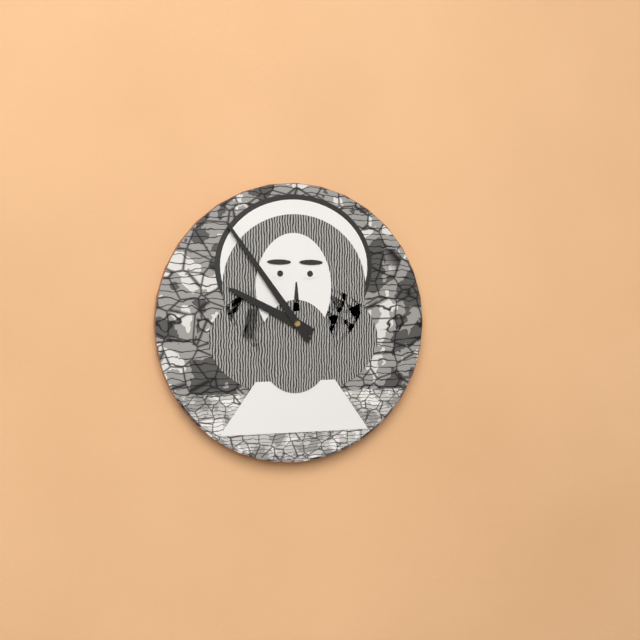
{"hour": 9, "minute": 54}
